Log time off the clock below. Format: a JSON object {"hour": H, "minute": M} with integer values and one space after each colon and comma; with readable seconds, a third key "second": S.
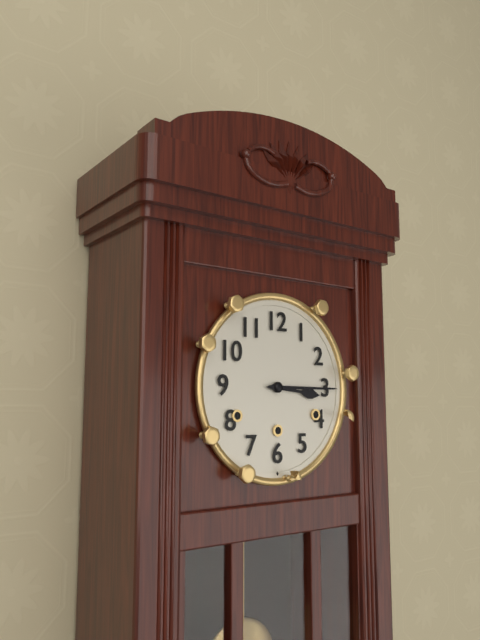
{"hour": 3, "minute": 15}
